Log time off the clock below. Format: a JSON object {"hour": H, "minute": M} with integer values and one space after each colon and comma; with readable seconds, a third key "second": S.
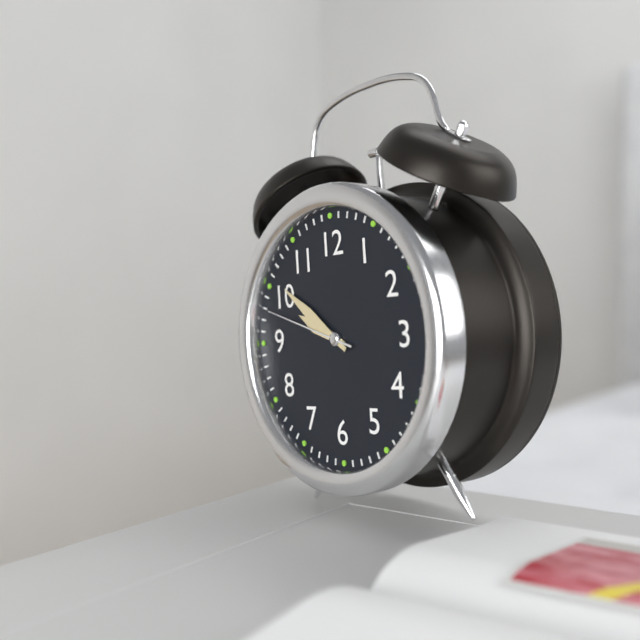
{"hour": 9, "minute": 51, "second": 48}
